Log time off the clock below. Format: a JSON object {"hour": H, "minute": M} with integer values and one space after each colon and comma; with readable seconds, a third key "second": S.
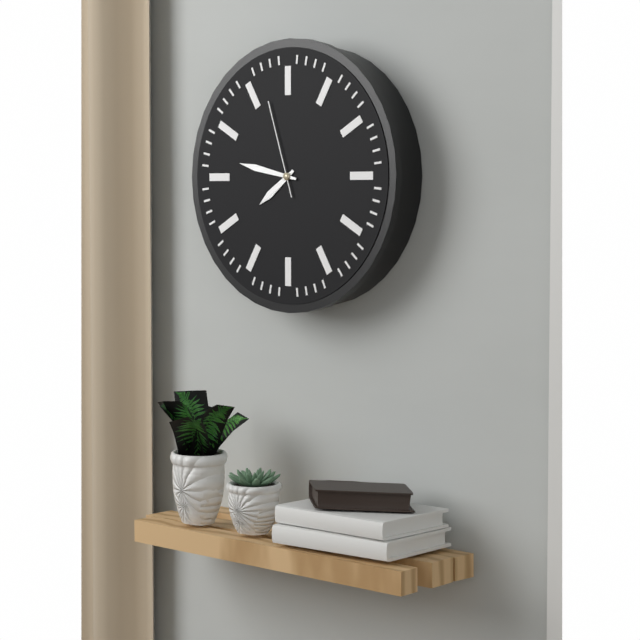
{"hour": 7, "minute": 47, "second": 57}
